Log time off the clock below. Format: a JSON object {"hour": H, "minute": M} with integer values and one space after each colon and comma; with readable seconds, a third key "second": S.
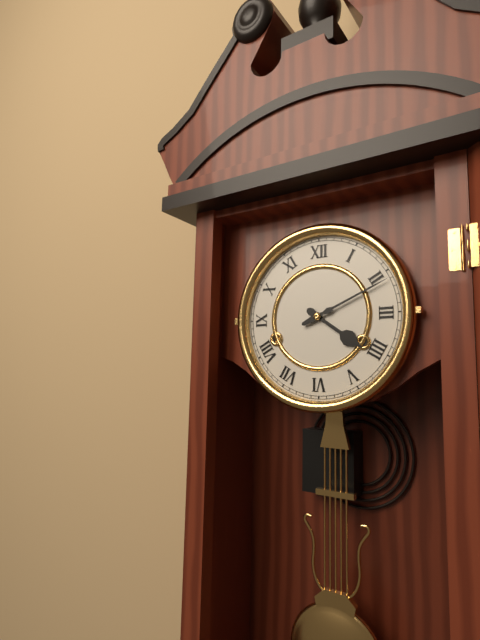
{"hour": 4, "minute": 11}
